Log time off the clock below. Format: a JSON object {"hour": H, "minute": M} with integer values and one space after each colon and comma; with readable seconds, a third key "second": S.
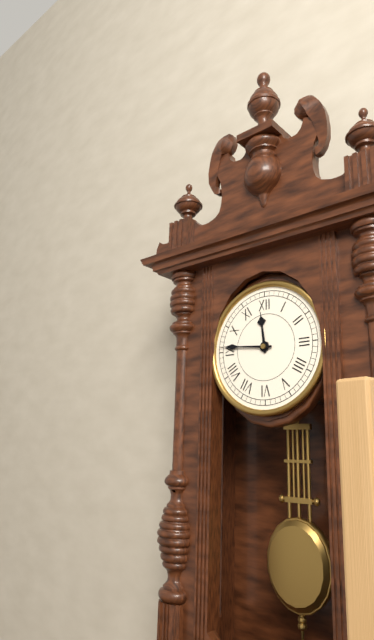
{"hour": 11, "minute": 46}
